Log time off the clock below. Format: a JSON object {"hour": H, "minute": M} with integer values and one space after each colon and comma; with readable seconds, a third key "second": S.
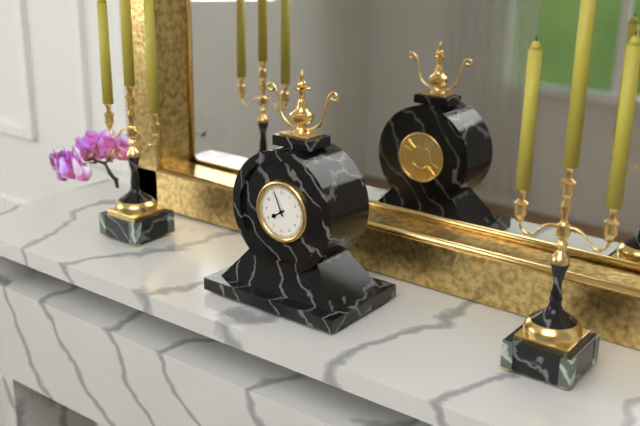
{"hour": 7, "minute": 56}
